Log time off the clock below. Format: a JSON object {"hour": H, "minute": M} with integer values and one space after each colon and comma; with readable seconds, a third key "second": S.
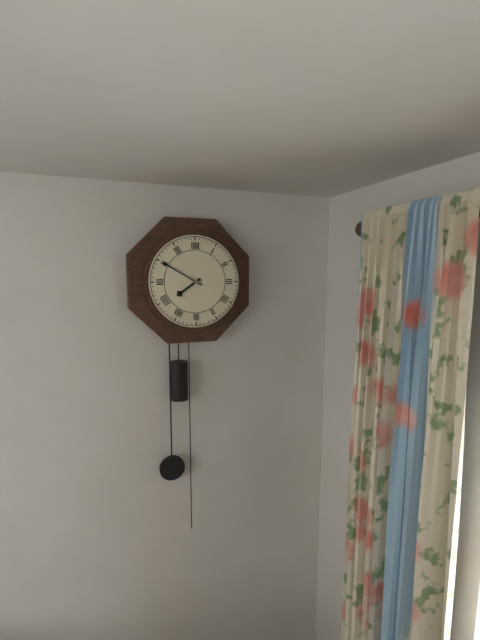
{"hour": 7, "minute": 50}
